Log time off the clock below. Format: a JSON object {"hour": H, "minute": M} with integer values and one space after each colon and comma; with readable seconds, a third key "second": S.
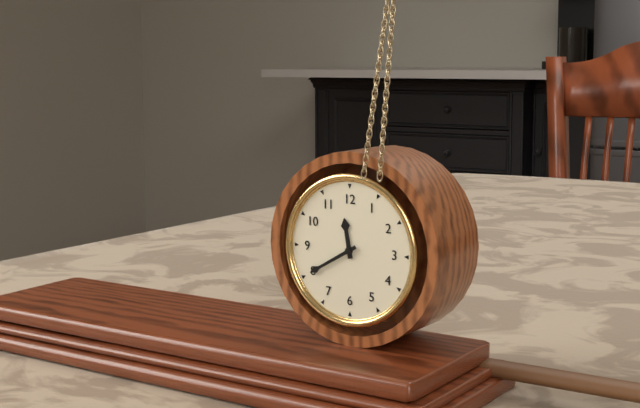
{"hour": 11, "minute": 40}
